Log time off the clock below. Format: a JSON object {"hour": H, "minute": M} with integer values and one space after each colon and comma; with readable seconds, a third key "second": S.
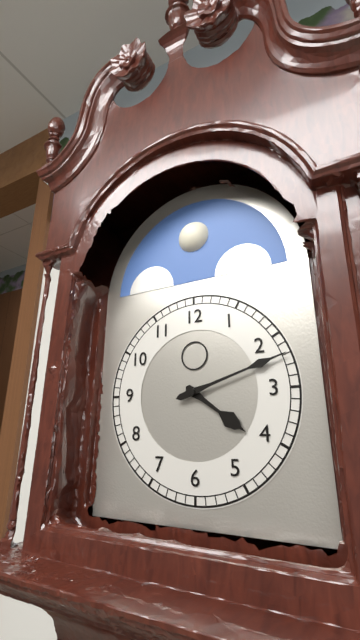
{"hour": 4, "minute": 12}
